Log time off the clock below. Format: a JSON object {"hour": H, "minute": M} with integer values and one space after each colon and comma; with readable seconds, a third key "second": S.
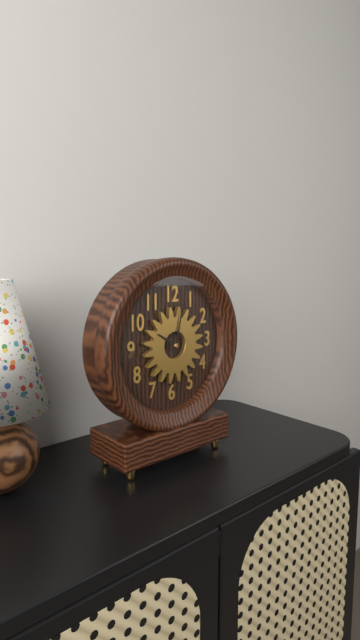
{"hour": 10, "minute": 2}
